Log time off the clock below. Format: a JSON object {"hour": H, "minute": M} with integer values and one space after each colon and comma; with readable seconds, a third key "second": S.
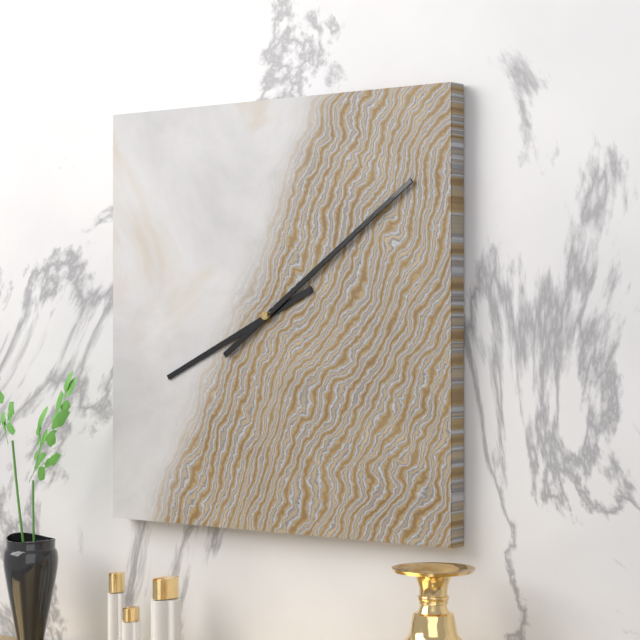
{"hour": 8, "minute": 9}
